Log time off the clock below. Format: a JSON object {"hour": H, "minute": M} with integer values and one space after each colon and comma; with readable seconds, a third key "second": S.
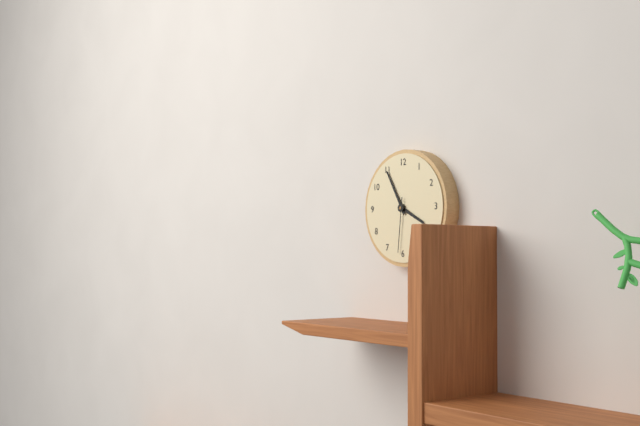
{"hour": 3, "minute": 55, "second": 31}
